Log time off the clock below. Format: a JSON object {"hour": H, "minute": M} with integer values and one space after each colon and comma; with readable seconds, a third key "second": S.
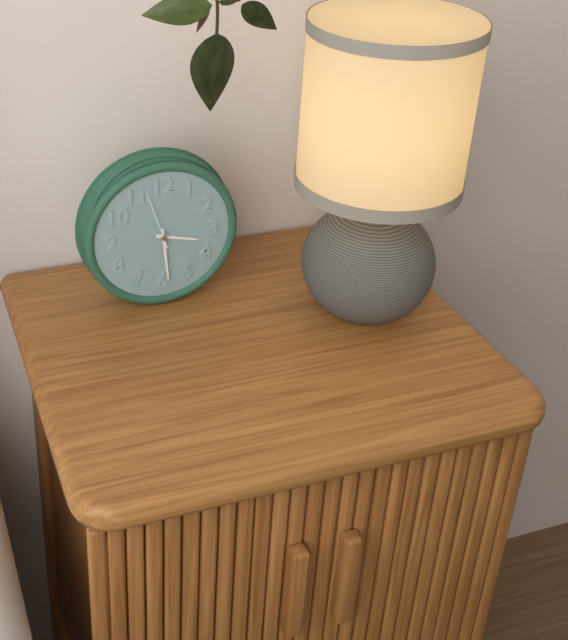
{"hour": 3, "minute": 29, "second": 57}
